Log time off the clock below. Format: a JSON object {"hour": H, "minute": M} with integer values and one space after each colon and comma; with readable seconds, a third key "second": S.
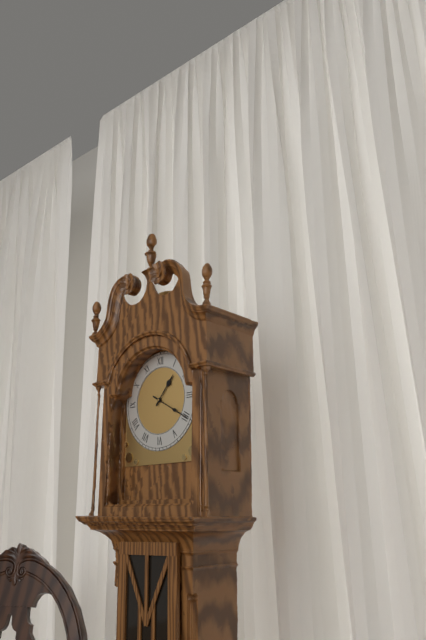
{"hour": 1, "minute": 20}
